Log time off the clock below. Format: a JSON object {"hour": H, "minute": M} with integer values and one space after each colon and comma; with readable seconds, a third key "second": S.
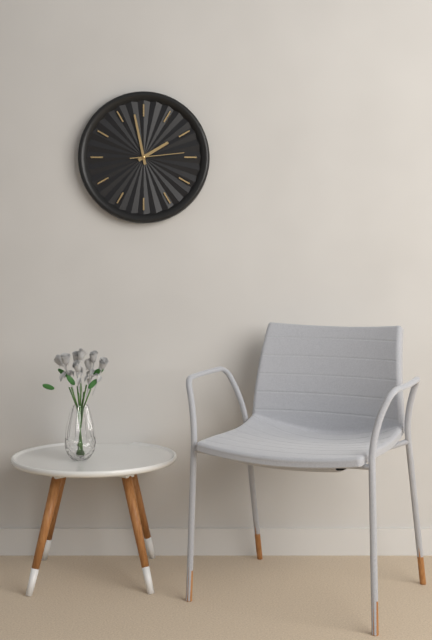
{"hour": 1, "minute": 58, "second": 14}
